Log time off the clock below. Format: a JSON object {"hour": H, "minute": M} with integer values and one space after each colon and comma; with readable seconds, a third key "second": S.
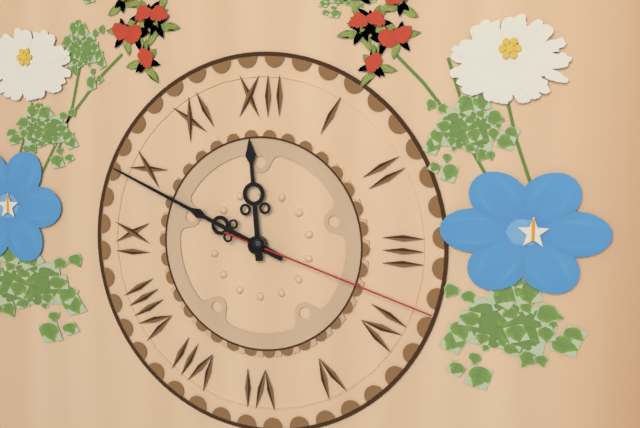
{"hour": 11, "minute": 49, "second": 18}
